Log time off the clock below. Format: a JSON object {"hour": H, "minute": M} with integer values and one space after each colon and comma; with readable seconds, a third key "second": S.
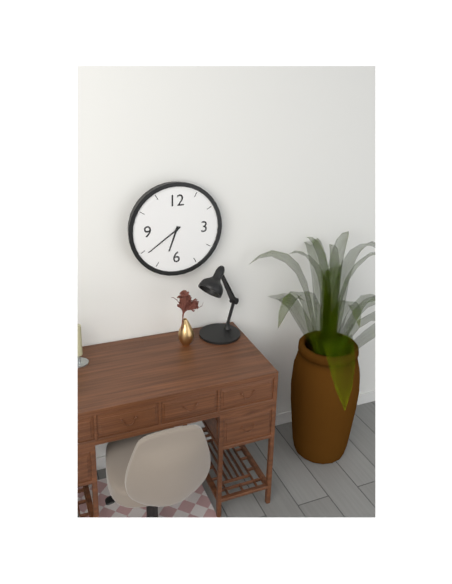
{"hour": 6, "minute": 39}
